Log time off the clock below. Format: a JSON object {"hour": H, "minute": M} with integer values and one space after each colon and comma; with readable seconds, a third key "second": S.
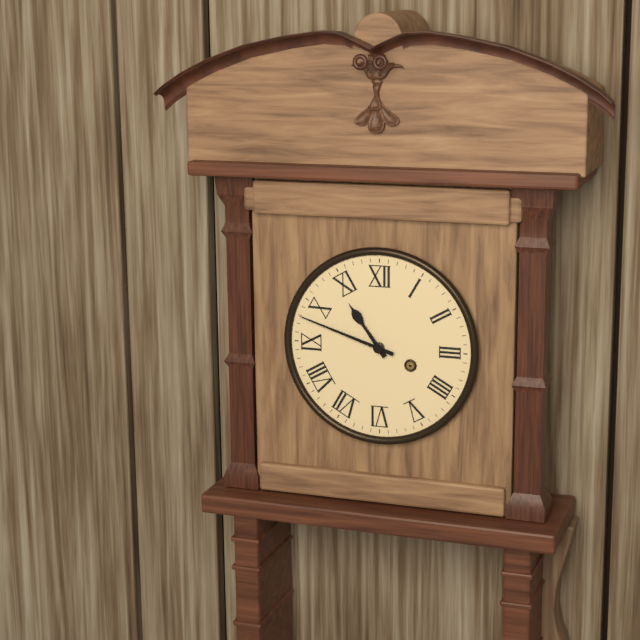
{"hour": 10, "minute": 48}
